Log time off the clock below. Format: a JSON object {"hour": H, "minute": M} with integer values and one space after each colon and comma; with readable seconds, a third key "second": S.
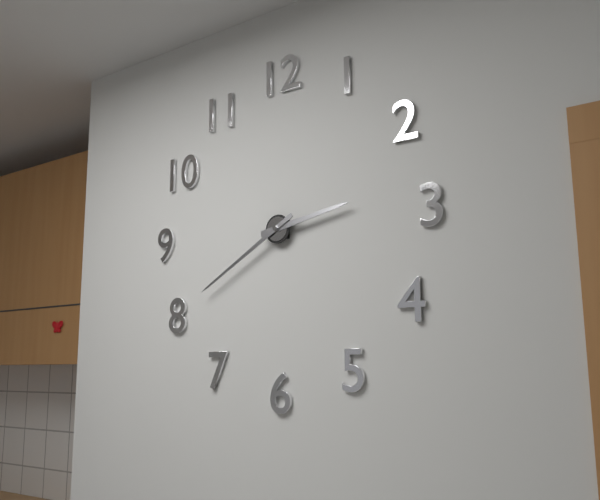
{"hour": 2, "minute": 40}
